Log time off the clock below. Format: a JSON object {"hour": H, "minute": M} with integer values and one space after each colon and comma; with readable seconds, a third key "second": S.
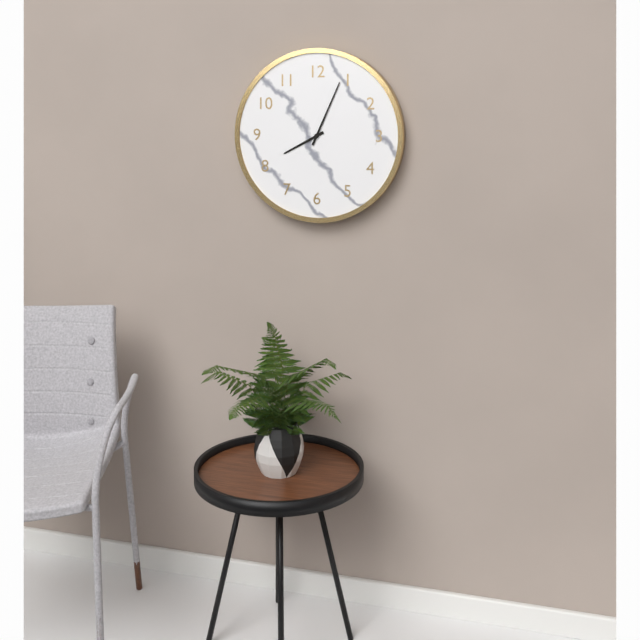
{"hour": 8, "minute": 4}
